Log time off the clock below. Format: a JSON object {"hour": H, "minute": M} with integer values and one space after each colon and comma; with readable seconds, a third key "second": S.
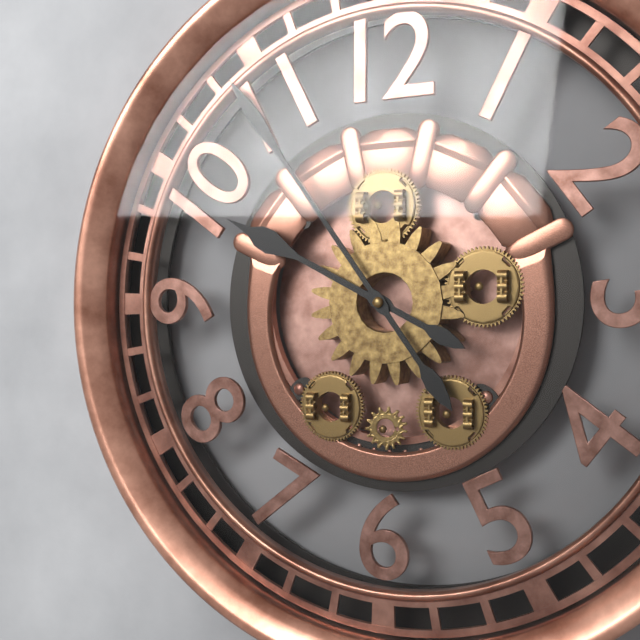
{"hour": 9, "minute": 54}
